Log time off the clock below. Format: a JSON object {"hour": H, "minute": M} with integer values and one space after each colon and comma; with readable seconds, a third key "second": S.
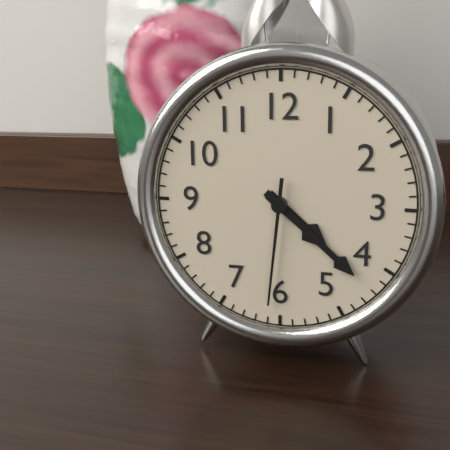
{"hour": 4, "minute": 22, "second": 31}
